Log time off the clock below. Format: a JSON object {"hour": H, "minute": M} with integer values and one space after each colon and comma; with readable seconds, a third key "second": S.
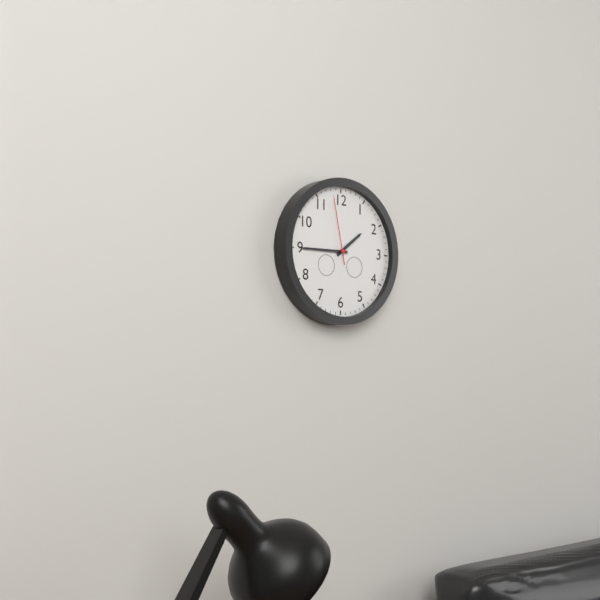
{"hour": 1, "minute": 45, "second": 58}
